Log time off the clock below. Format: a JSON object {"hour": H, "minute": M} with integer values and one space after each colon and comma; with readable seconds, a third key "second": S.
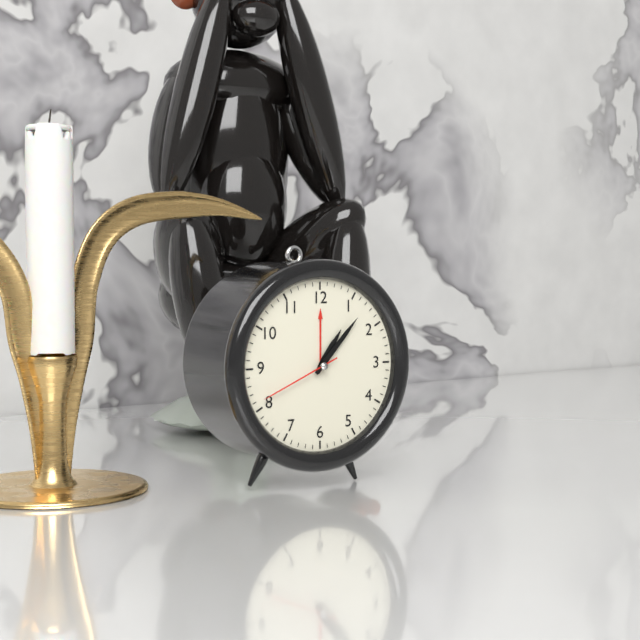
{"hour": 1, "minute": 7, "second": 41}
